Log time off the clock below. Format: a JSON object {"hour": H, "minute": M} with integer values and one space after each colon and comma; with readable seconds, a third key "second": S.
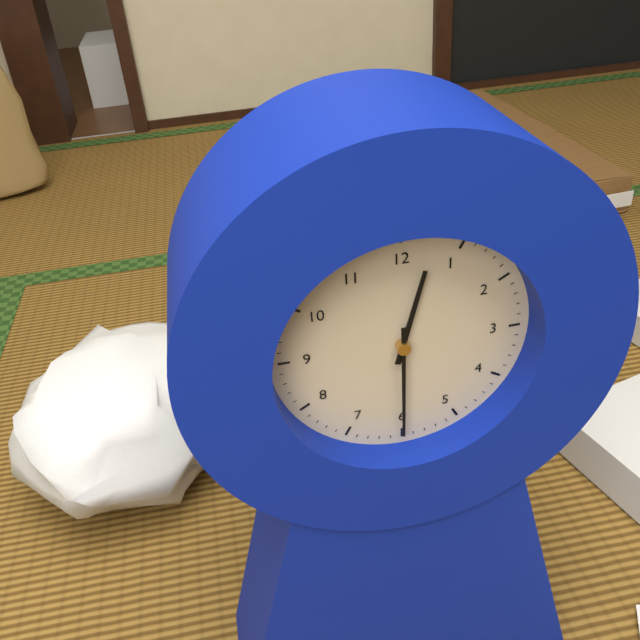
{"hour": 12, "minute": 30}
